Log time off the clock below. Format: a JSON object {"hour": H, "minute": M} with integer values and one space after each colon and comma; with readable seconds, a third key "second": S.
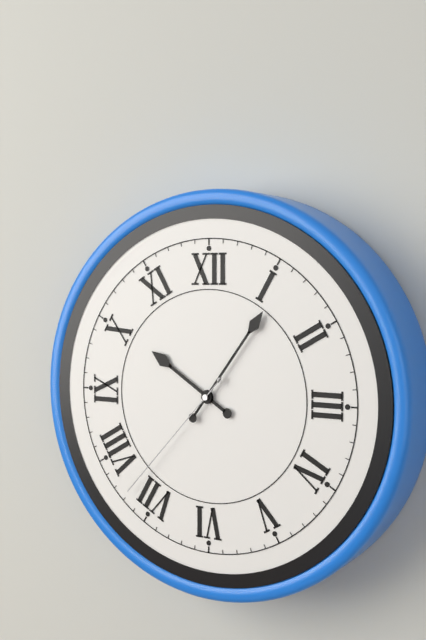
{"hour": 10, "minute": 6, "second": 37}
